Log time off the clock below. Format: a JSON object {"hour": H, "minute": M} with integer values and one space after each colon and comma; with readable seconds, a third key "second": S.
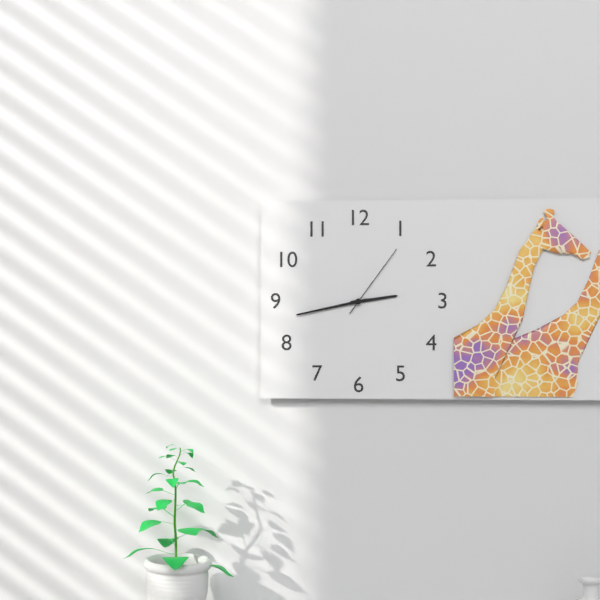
{"hour": 2, "minute": 43, "second": 6}
